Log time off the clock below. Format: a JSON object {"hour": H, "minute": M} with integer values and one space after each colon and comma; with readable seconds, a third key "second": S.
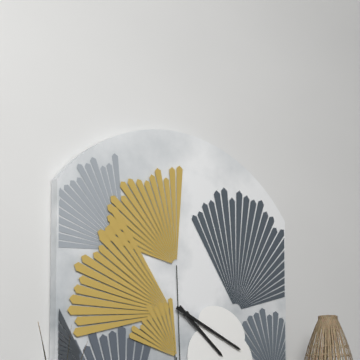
{"hour": 4, "minute": 19}
